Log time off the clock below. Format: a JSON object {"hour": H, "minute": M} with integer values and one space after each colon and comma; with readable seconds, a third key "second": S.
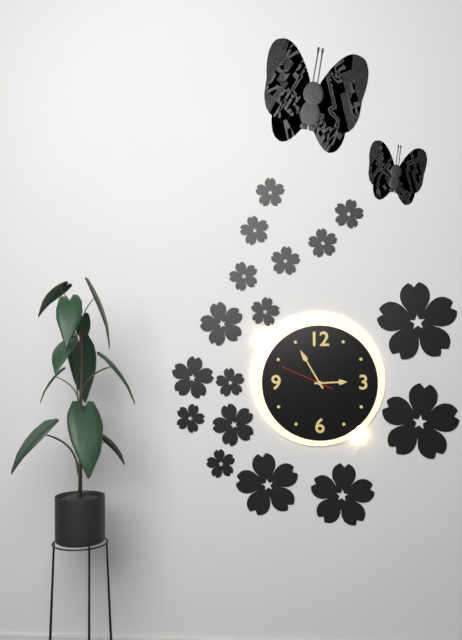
{"hour": 2, "minute": 55, "second": 49}
